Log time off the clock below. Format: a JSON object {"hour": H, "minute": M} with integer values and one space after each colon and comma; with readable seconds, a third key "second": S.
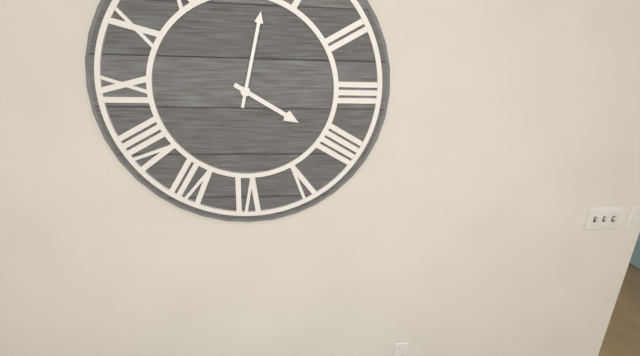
{"hour": 4, "minute": 2}
